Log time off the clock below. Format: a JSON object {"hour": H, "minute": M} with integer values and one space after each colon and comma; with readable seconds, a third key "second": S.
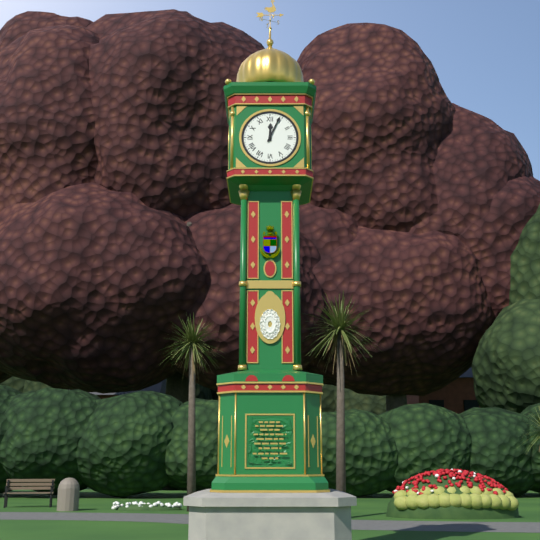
{"hour": 12, "minute": 4}
